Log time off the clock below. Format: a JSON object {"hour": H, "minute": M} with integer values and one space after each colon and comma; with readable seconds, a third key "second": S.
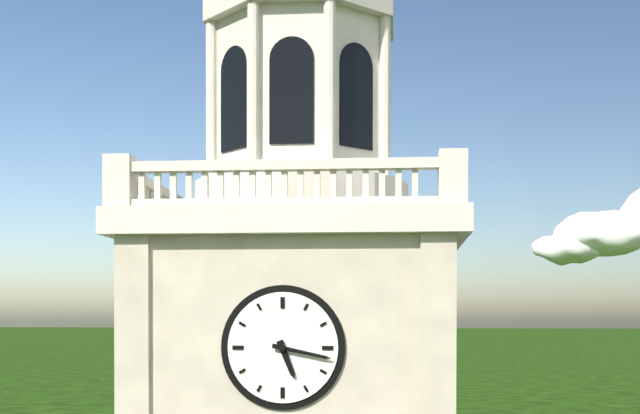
{"hour": 5, "minute": 17}
